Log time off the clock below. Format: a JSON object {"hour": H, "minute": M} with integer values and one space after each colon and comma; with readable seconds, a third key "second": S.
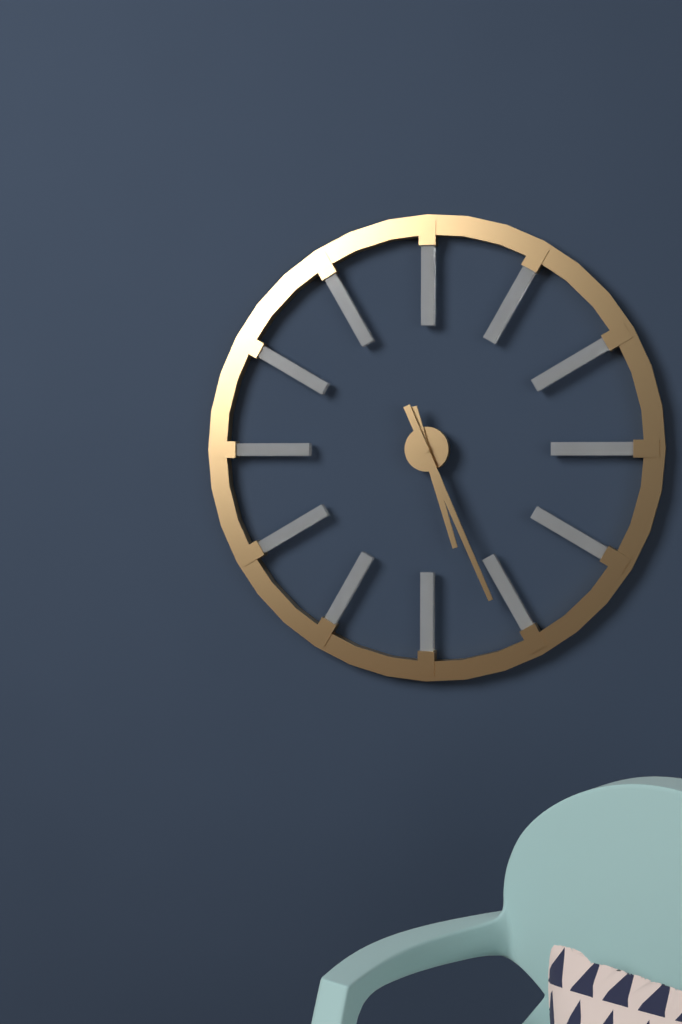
{"hour": 5, "minute": 26}
